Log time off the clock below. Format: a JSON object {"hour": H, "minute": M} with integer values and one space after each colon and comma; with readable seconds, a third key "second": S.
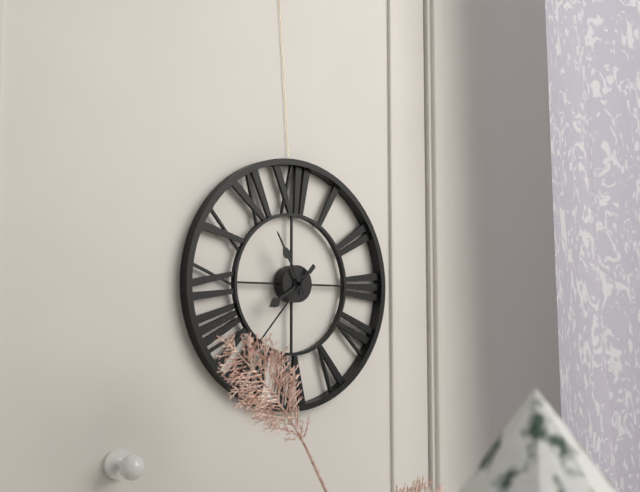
{"hour": 7, "minute": 55, "second": 37}
